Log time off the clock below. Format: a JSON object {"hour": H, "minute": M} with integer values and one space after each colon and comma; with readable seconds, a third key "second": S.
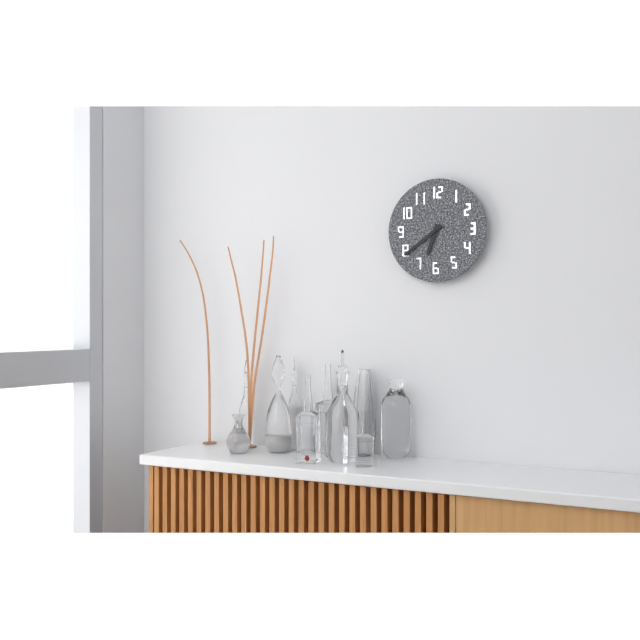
{"hour": 6, "minute": 39}
